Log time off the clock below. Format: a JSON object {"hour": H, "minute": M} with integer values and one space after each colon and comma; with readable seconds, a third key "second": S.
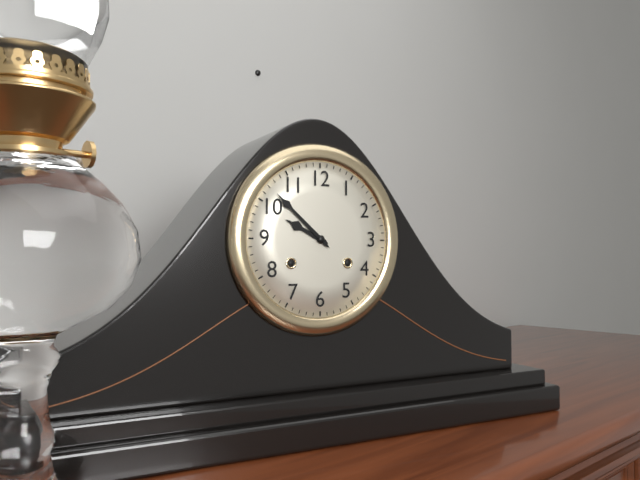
{"hour": 9, "minute": 52}
